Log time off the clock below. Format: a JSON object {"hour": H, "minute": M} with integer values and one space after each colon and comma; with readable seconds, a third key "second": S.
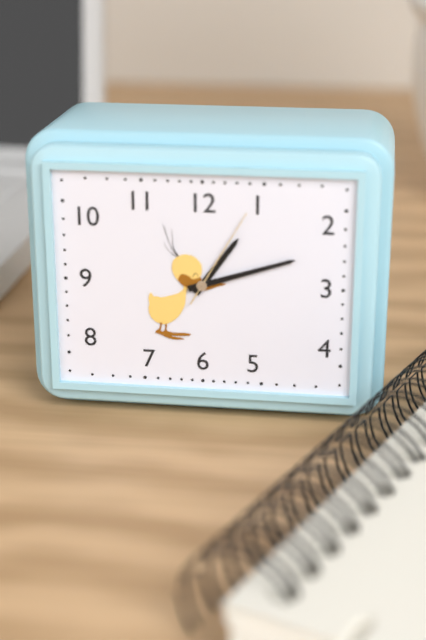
{"hour": 1, "minute": 12, "second": 5}
